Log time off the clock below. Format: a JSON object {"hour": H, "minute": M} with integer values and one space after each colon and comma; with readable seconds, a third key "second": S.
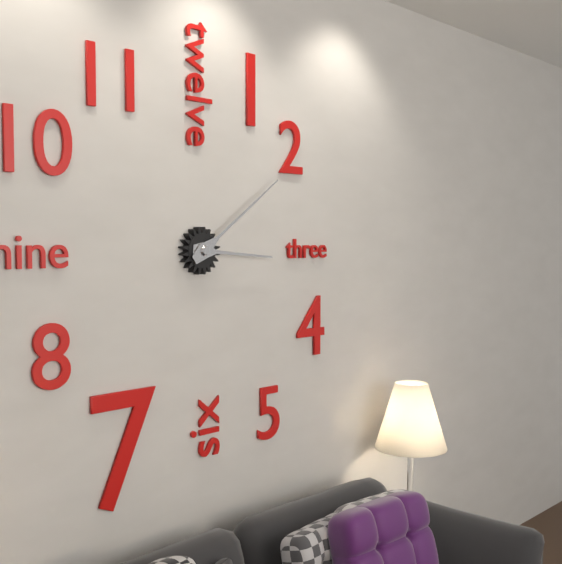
{"hour": 3, "minute": 9}
